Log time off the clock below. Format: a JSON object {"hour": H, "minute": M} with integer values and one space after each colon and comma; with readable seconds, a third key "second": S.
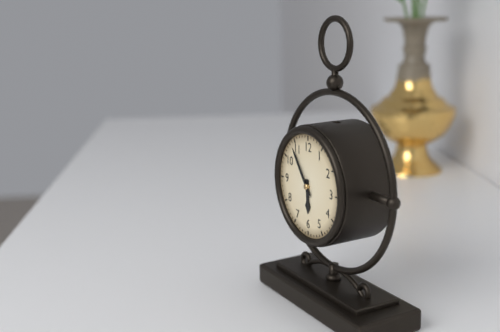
{"hour": 5, "minute": 54}
